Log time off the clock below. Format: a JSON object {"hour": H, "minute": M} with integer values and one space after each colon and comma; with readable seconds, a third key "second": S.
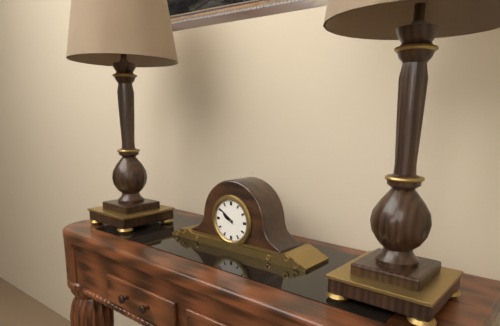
{"hour": 9, "minute": 51}
